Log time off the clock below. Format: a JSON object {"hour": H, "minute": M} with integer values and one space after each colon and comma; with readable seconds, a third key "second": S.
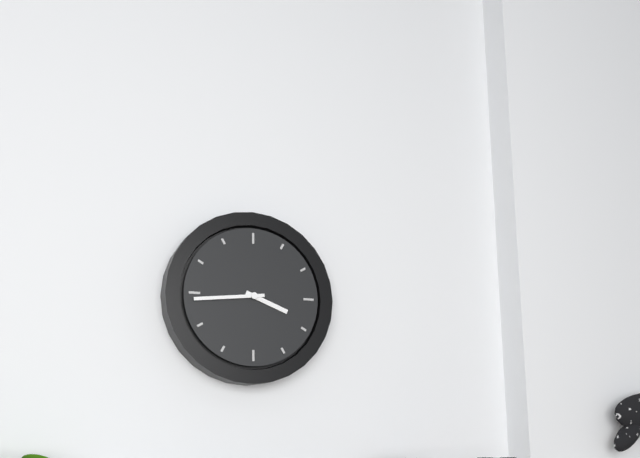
{"hour": 3, "minute": 44}
